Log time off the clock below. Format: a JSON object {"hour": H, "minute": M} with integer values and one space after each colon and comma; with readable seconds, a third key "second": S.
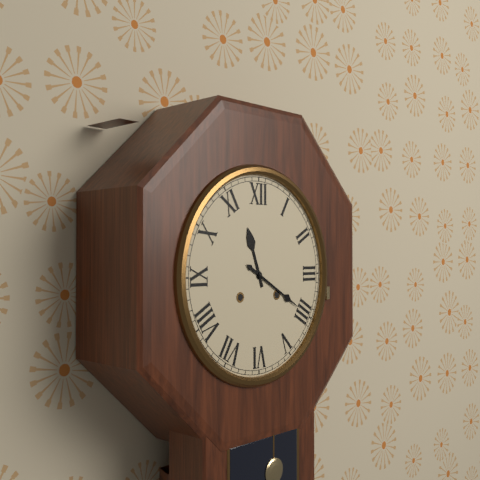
{"hour": 11, "minute": 20}
